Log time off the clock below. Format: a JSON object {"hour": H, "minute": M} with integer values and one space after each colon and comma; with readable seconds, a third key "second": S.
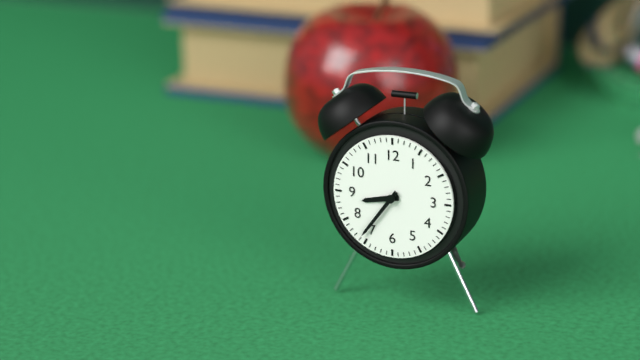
{"hour": 8, "minute": 36}
